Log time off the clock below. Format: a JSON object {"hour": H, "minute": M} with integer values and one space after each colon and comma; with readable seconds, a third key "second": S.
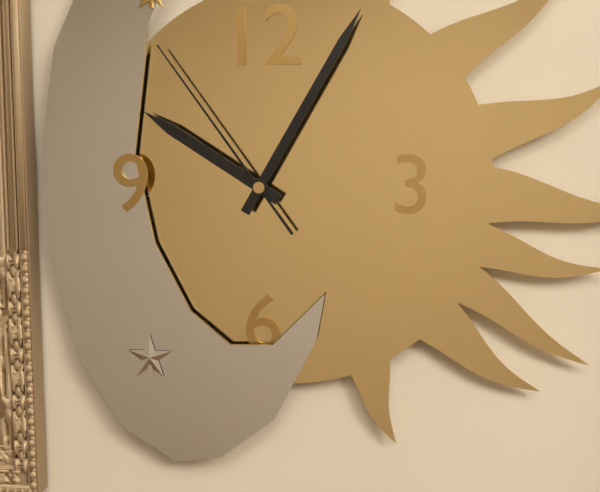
{"hour": 10, "minute": 5, "second": 54}
